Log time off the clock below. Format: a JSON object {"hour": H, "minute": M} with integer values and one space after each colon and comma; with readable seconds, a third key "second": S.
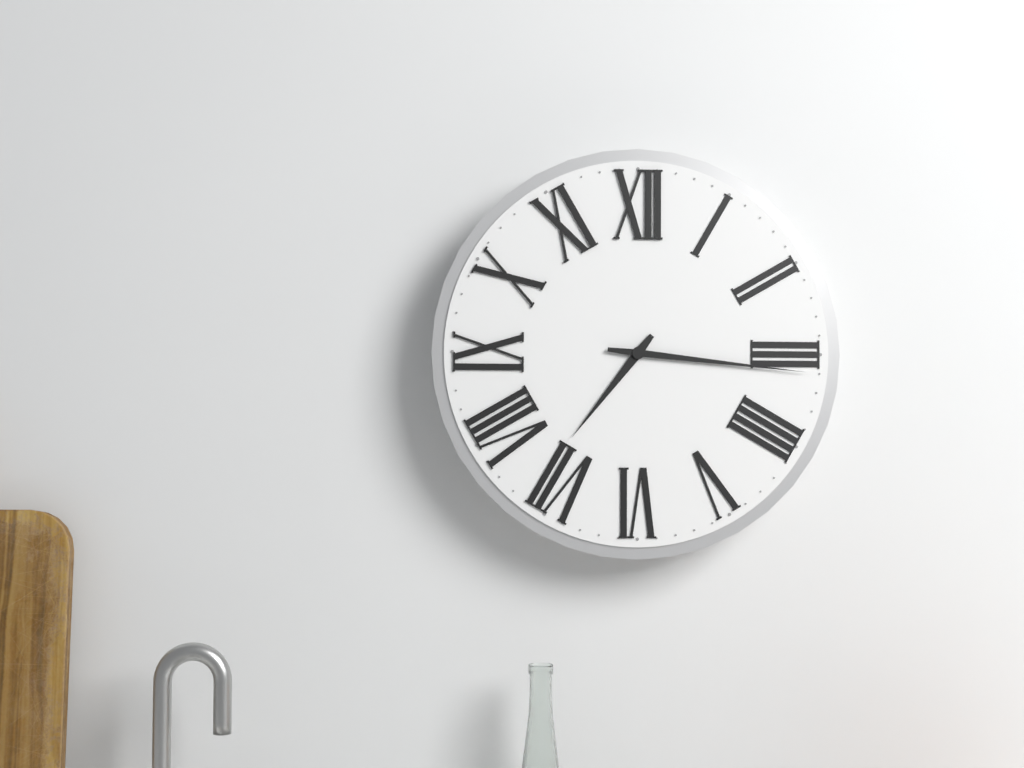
{"hour": 7, "minute": 16}
